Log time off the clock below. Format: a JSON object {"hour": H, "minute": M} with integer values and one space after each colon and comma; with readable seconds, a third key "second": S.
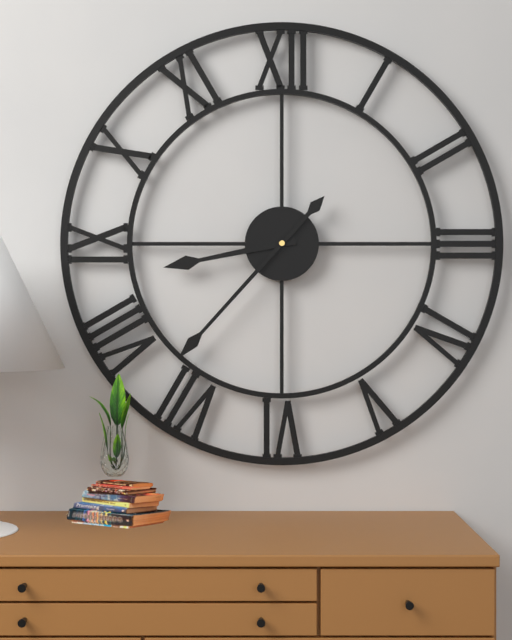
{"hour": 8, "minute": 37}
